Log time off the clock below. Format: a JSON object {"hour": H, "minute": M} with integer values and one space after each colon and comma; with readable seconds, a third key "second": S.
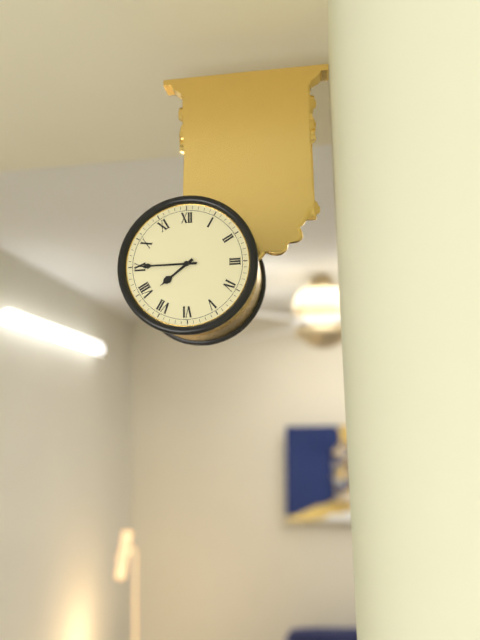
{"hour": 7, "minute": 45}
